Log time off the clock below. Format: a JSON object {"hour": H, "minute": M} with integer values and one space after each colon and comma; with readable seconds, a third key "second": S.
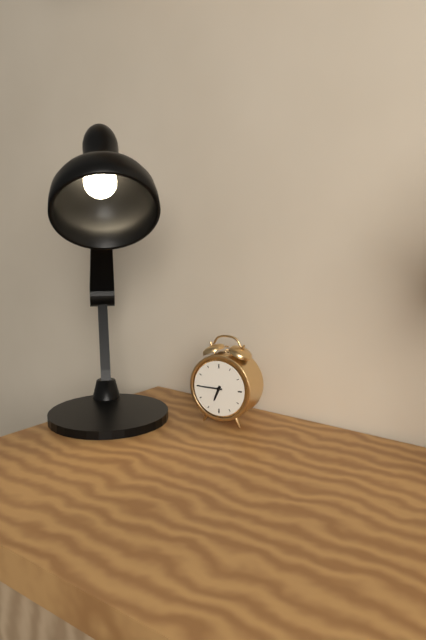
{"hour": 6, "minute": 45}
